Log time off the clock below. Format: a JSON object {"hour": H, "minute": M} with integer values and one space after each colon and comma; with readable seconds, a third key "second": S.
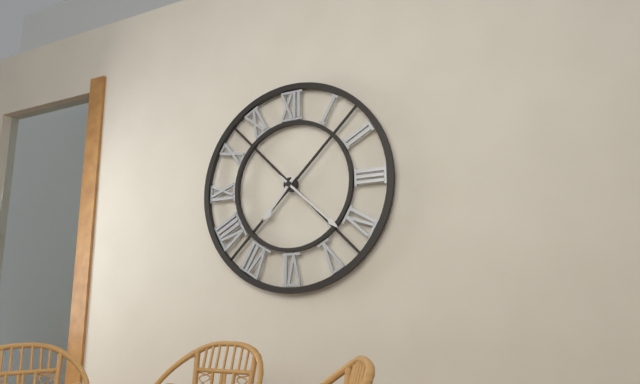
{"hour": 7, "minute": 22}
